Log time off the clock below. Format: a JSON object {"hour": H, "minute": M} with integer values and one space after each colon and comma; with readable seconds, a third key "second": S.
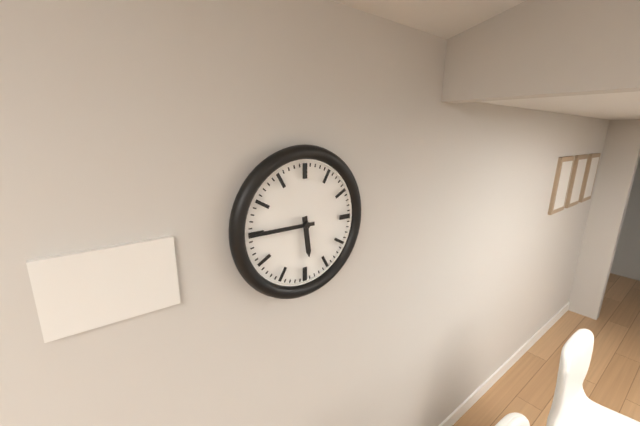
{"hour": 5, "minute": 45}
